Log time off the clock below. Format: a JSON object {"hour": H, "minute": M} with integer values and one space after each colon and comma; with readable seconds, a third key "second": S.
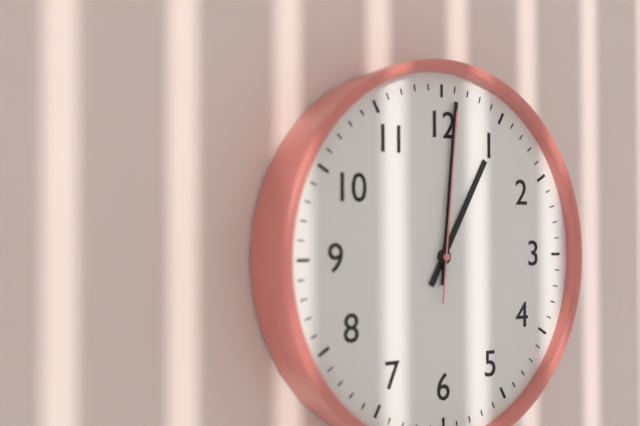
{"hour": 1, "minute": 1, "second": 1}
